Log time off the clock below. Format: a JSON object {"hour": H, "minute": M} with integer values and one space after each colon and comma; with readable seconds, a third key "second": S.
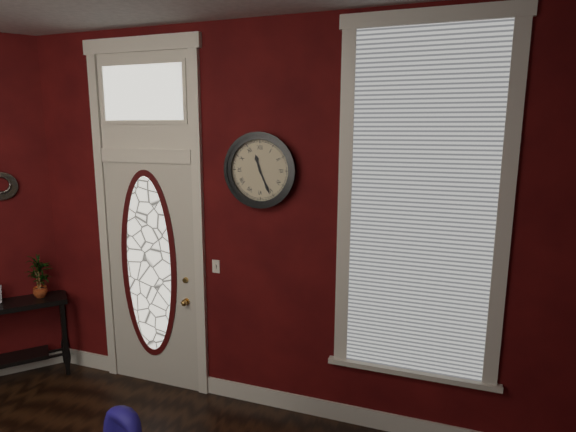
{"hour": 11, "minute": 26}
